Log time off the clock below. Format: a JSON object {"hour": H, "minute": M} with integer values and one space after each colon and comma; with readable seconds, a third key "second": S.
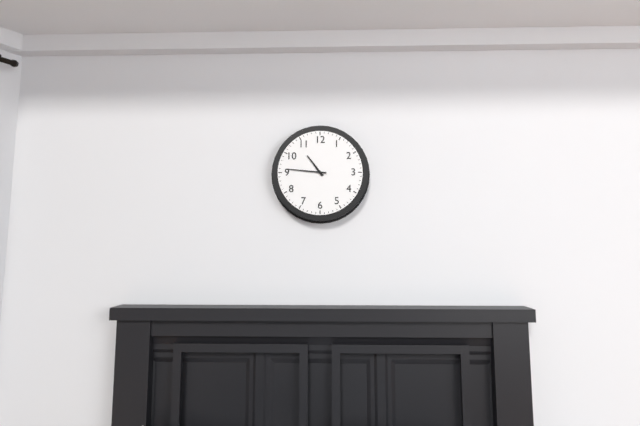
{"hour": 10, "minute": 46}
